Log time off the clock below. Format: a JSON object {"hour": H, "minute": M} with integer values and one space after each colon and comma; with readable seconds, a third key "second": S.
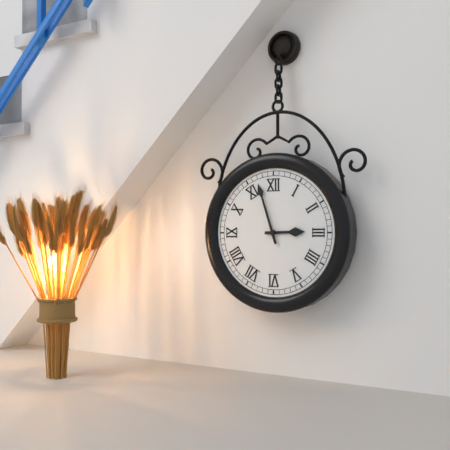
{"hour": 2, "minute": 57}
